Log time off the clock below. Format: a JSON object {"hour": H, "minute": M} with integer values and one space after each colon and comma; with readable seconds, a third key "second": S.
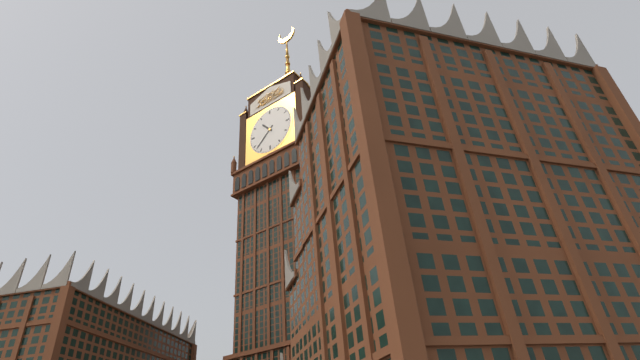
{"hour": 10, "minute": 38}
